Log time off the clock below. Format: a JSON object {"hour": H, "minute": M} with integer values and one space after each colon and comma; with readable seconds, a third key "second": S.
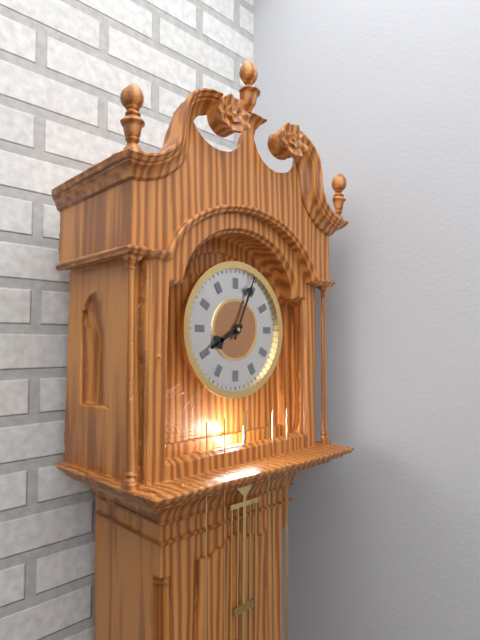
{"hour": 8, "minute": 4}
